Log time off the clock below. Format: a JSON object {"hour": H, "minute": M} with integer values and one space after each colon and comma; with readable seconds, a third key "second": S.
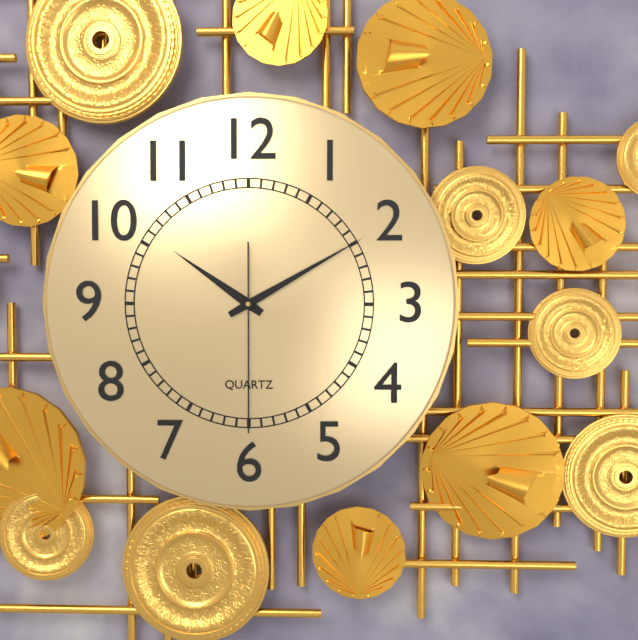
{"hour": 10, "minute": 10, "second": 30}
